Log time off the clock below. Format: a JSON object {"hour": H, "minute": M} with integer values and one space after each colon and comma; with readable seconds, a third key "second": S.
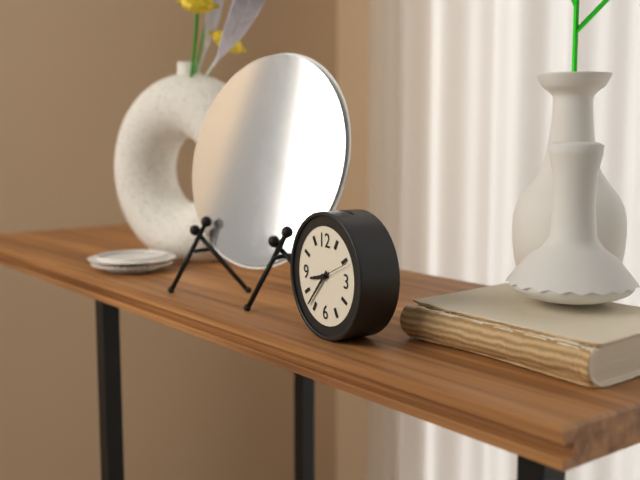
{"hour": 8, "minute": 37}
